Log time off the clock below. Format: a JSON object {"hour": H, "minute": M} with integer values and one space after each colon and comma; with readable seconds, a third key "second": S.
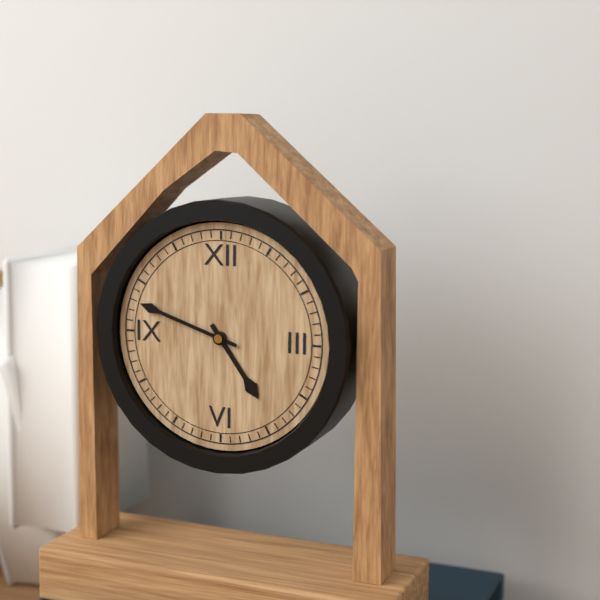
{"hour": 4, "minute": 48}
